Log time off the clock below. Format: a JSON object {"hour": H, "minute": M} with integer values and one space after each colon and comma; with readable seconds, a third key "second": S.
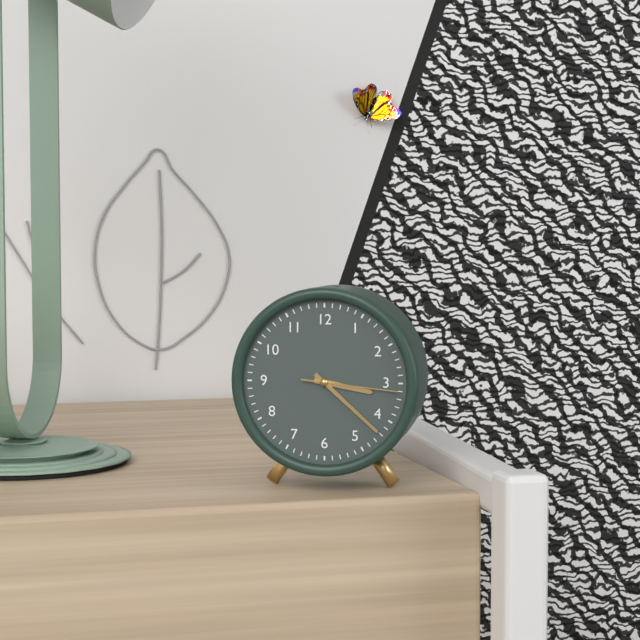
{"hour": 3, "minute": 22, "second": 16}
